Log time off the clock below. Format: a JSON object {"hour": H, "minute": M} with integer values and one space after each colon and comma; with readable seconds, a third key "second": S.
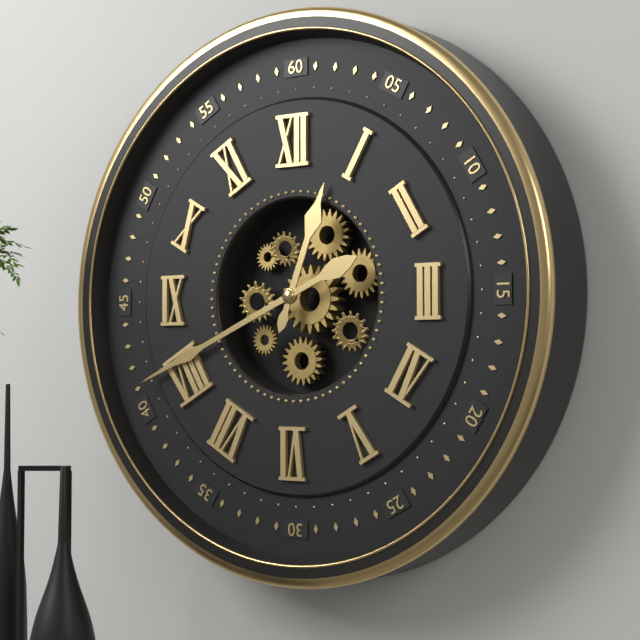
{"hour": 12, "minute": 41}
